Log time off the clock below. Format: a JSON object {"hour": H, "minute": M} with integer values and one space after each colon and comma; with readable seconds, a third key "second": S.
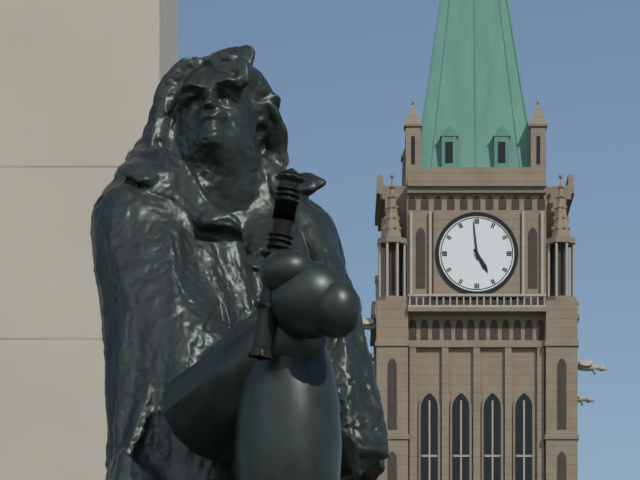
{"hour": 4, "minute": 59}
